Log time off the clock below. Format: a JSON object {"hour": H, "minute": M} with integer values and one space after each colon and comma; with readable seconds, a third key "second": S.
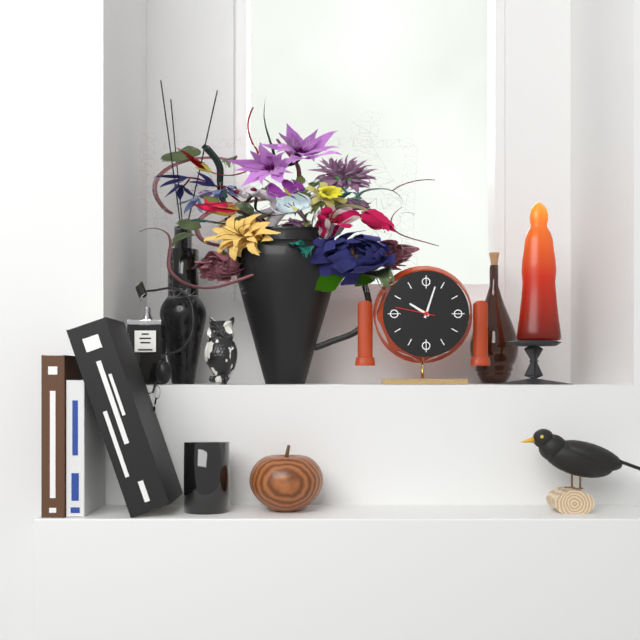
{"hour": 10, "minute": 3}
